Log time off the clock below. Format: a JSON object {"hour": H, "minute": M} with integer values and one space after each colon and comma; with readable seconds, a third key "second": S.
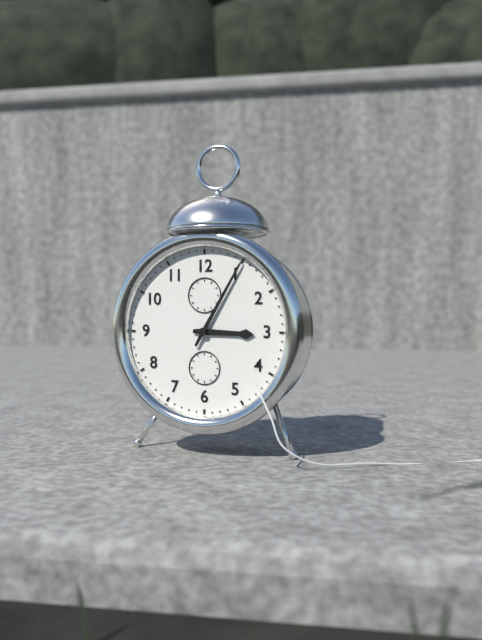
{"hour": 3, "minute": 5}
